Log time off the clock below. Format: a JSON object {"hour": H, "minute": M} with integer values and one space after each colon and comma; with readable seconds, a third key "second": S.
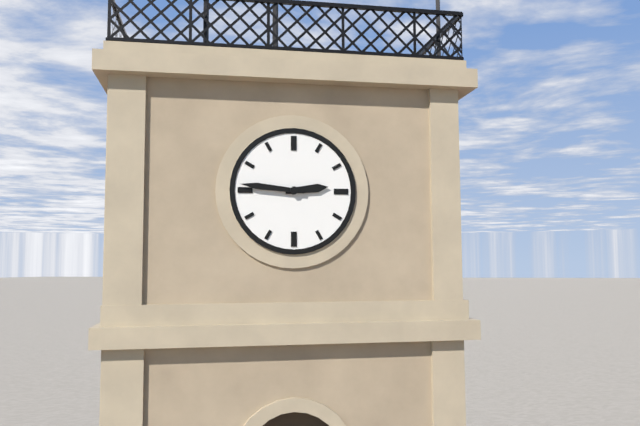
{"hour": 2, "minute": 46}
